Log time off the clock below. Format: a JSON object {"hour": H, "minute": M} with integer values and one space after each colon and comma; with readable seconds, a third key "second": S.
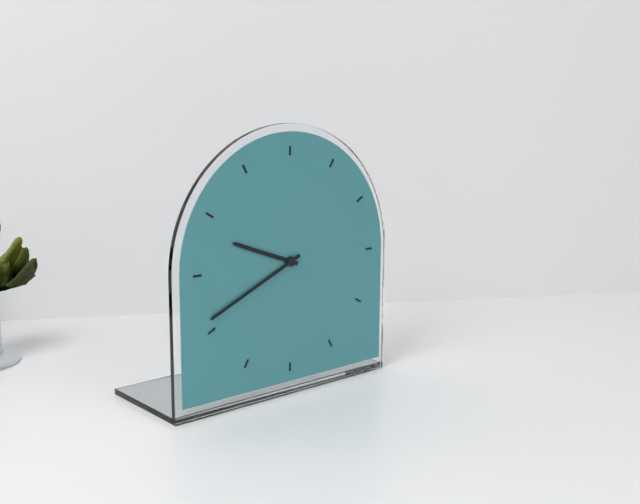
{"hour": 9, "minute": 41}
